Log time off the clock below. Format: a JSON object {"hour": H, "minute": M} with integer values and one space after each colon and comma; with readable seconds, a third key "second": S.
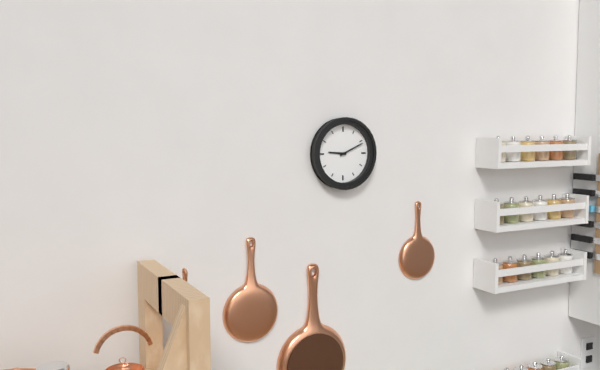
{"hour": 9, "minute": 11}
